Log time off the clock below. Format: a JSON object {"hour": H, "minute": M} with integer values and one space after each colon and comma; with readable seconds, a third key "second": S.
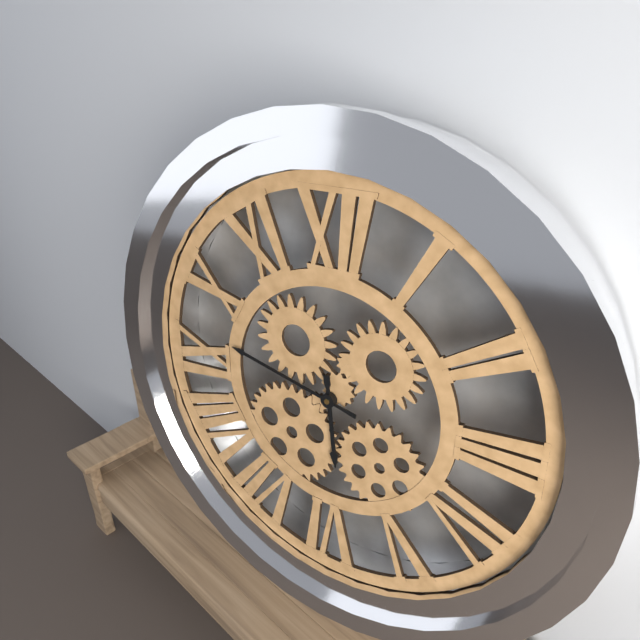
{"hour": 5, "minute": 47}
